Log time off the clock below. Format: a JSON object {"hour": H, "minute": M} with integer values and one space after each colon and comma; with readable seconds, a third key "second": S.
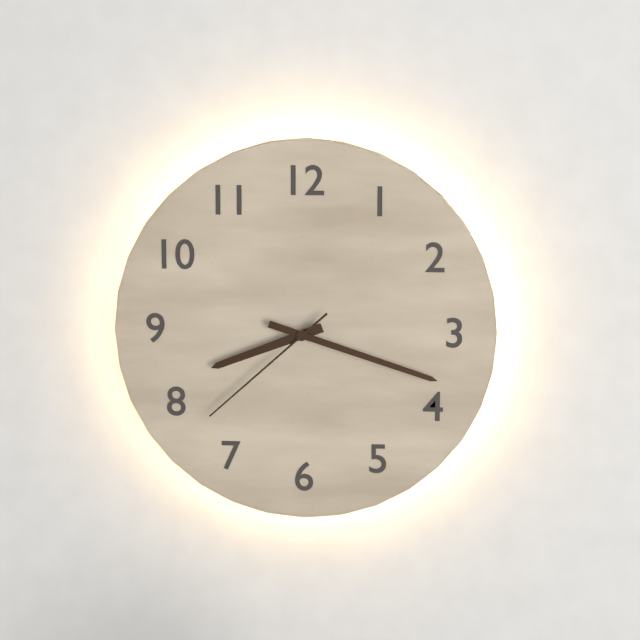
{"hour": 8, "minute": 18, "second": 38}
